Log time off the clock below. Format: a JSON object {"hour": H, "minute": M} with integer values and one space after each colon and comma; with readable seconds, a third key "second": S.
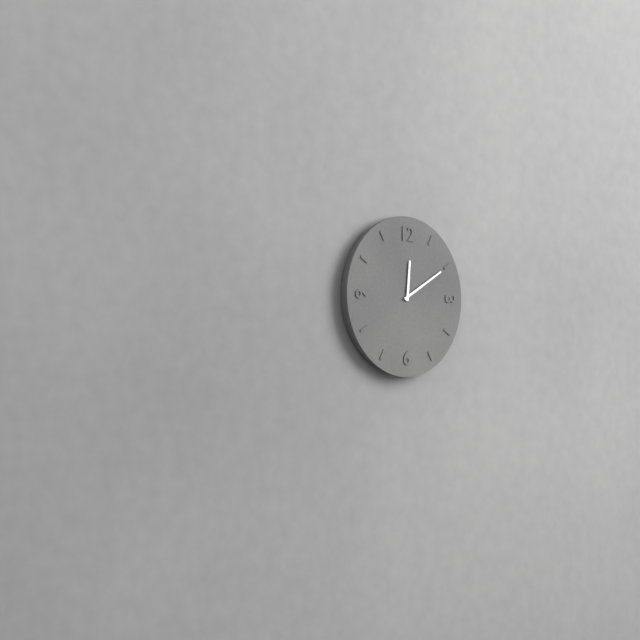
{"hour": 12, "minute": 10}
